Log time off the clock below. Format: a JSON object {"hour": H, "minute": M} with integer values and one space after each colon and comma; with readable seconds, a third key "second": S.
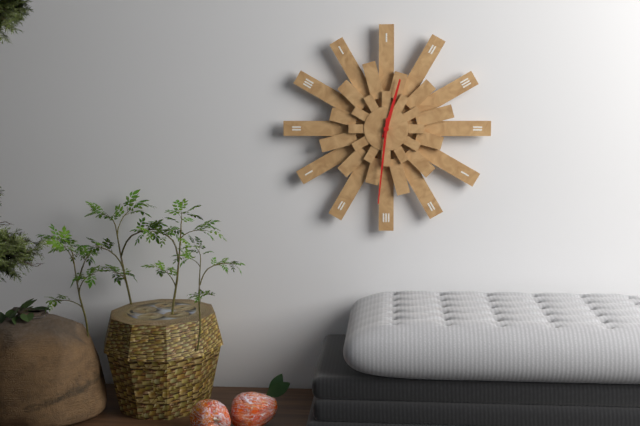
{"hour": 12, "minute": 31}
